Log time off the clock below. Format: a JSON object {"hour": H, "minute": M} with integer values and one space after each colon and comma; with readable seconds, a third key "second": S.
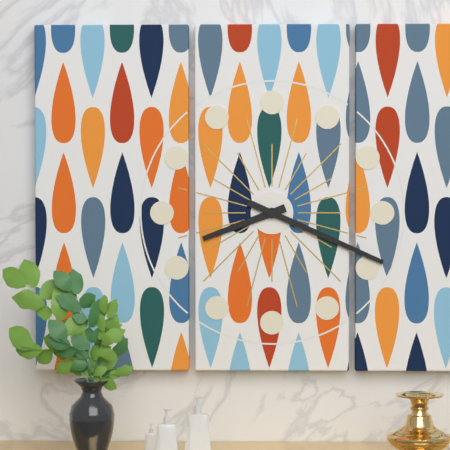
{"hour": 8, "minute": 19}
